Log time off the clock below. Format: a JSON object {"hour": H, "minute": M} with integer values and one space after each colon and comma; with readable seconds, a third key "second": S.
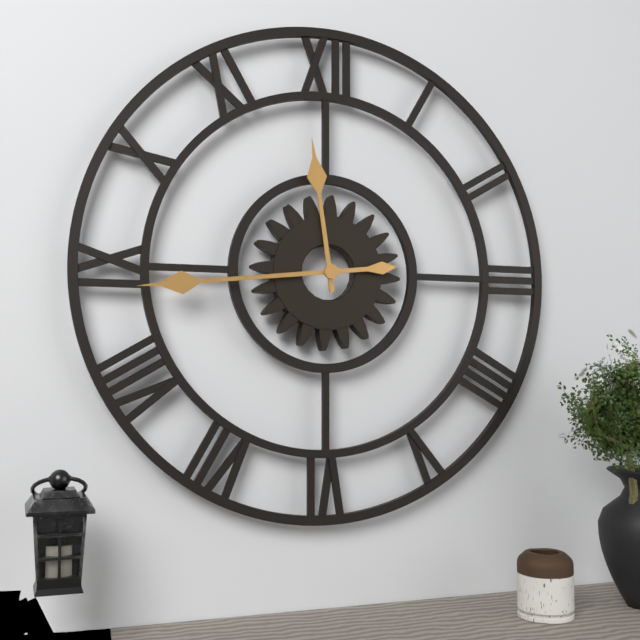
{"hour": 11, "minute": 44}
